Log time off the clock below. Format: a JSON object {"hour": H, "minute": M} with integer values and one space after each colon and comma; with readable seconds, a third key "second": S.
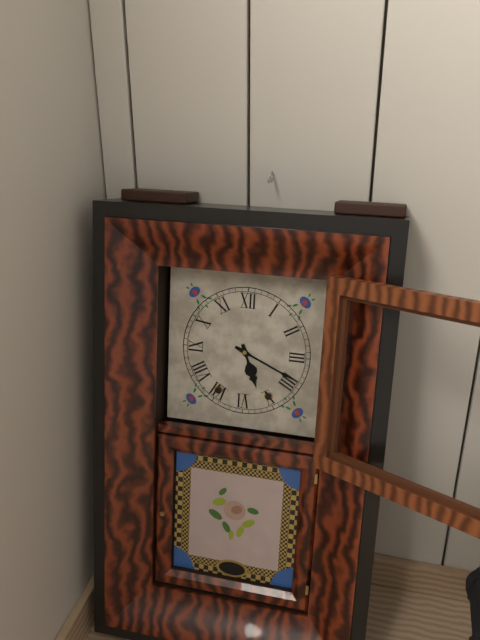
{"hour": 5, "minute": 19}
